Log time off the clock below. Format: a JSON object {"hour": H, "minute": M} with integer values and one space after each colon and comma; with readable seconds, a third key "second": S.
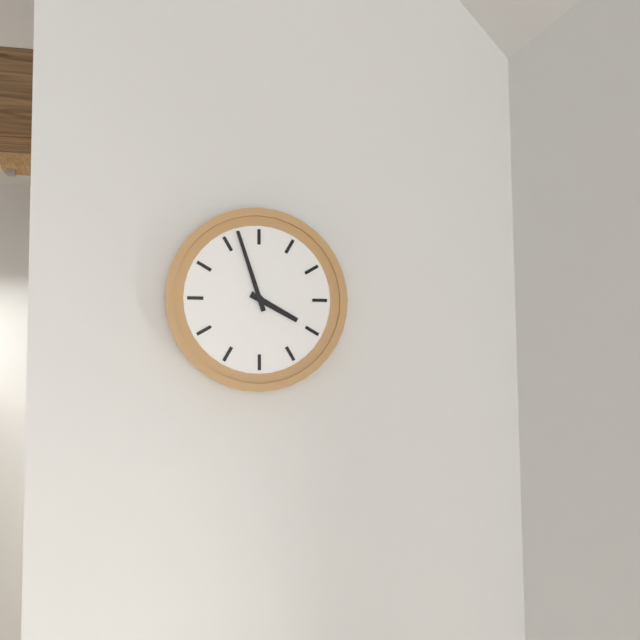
{"hour": 3, "minute": 57}
